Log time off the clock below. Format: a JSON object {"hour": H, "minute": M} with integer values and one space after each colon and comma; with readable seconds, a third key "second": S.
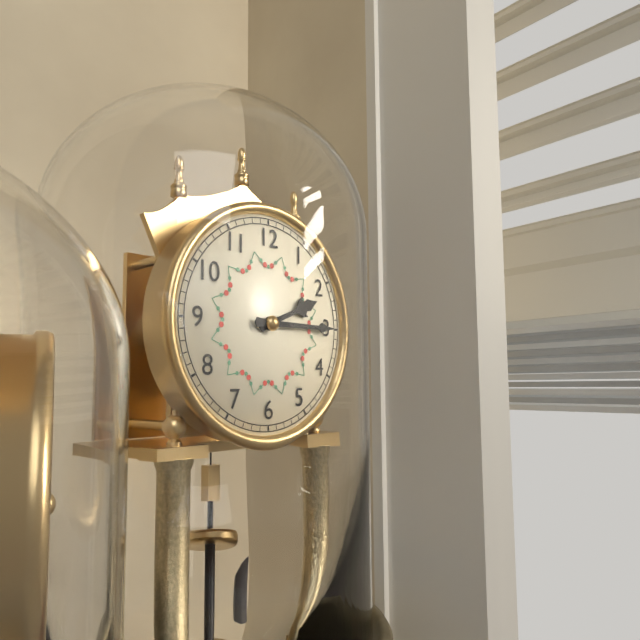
{"hour": 2, "minute": 15}
